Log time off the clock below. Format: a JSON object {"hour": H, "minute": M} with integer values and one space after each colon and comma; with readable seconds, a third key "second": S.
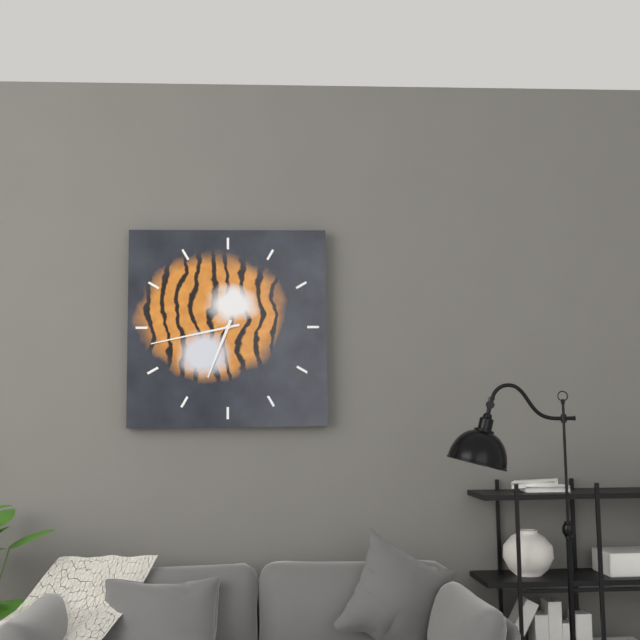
{"hour": 6, "minute": 43}
